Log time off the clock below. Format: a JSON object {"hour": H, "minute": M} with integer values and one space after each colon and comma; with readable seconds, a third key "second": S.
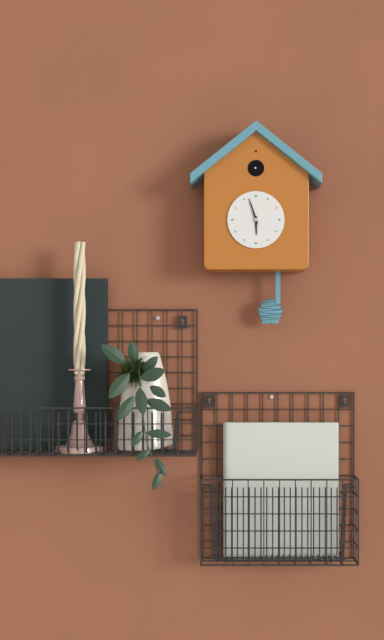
{"hour": 5, "minute": 57}
